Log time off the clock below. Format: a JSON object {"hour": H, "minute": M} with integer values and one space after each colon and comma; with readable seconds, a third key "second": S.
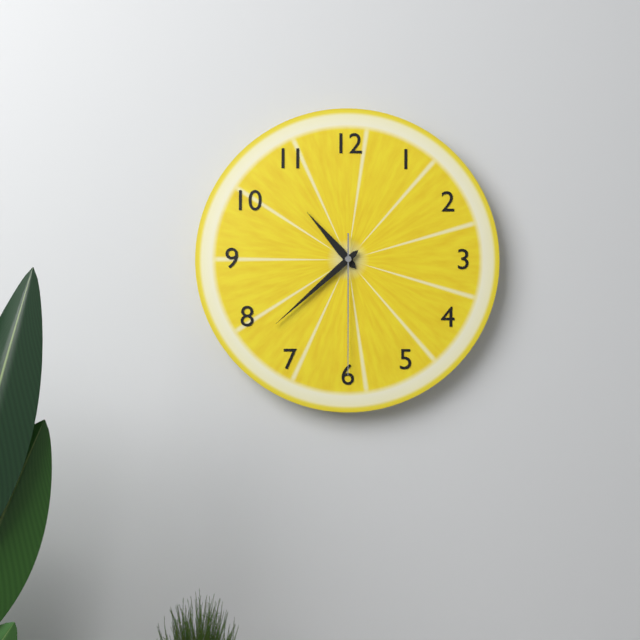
{"hour": 10, "minute": 38, "second": 30}
